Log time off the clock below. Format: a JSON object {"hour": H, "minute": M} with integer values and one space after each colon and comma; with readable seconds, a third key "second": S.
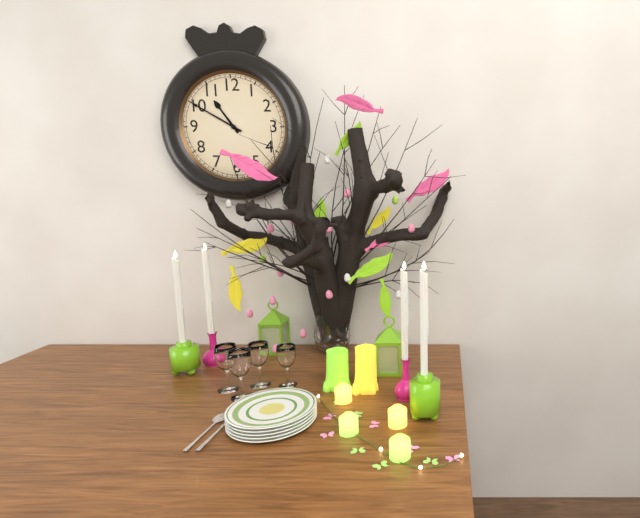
{"hour": 10, "minute": 50}
